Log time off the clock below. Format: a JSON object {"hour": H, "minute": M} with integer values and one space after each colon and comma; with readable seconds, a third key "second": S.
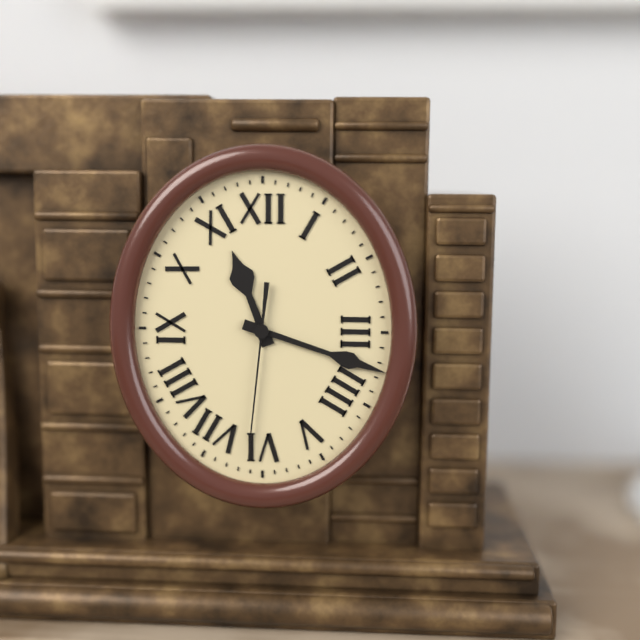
{"hour": 11, "minute": 18, "second": 31}
